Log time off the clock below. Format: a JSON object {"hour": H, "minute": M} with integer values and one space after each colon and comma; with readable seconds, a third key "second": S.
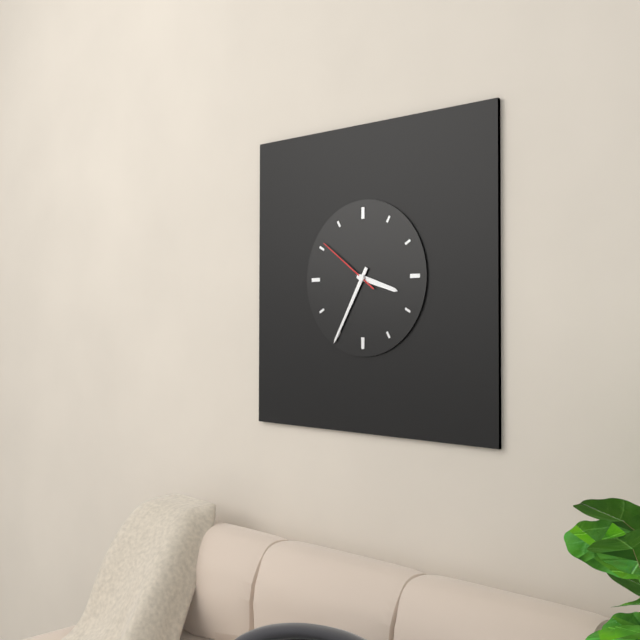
{"hour": 3, "minute": 35, "second": 51}
